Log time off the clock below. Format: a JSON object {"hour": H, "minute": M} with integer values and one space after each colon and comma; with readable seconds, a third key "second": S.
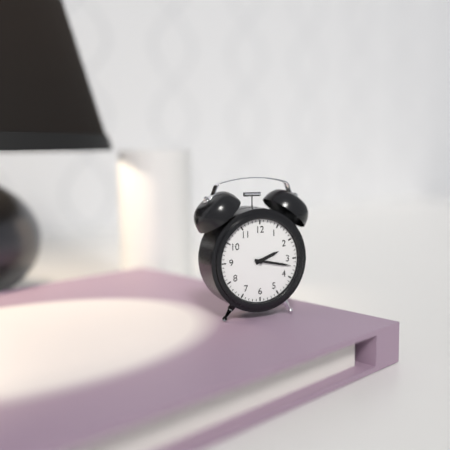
{"hour": 2, "minute": 17}
